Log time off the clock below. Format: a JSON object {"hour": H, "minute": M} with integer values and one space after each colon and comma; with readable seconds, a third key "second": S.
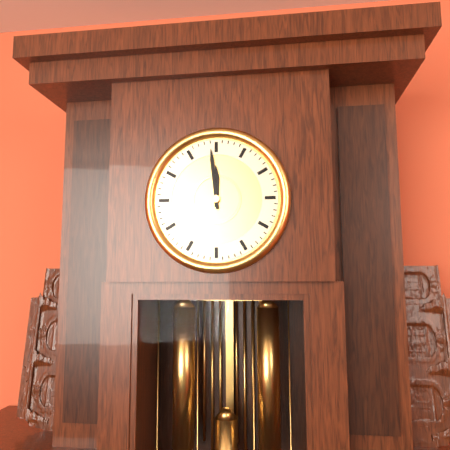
{"hour": 11, "minute": 59}
